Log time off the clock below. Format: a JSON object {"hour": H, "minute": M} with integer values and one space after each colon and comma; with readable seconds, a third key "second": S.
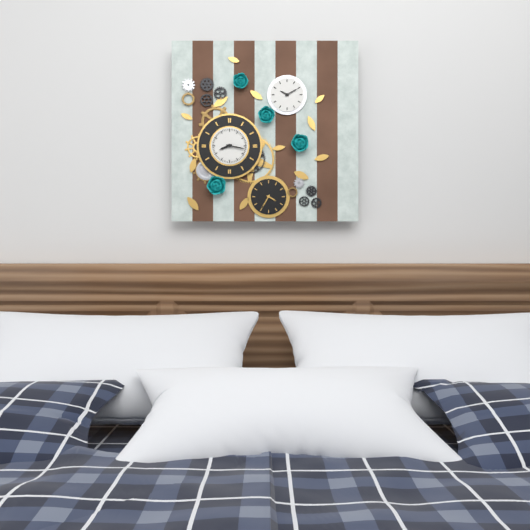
{"hour": 8, "minute": 17}
